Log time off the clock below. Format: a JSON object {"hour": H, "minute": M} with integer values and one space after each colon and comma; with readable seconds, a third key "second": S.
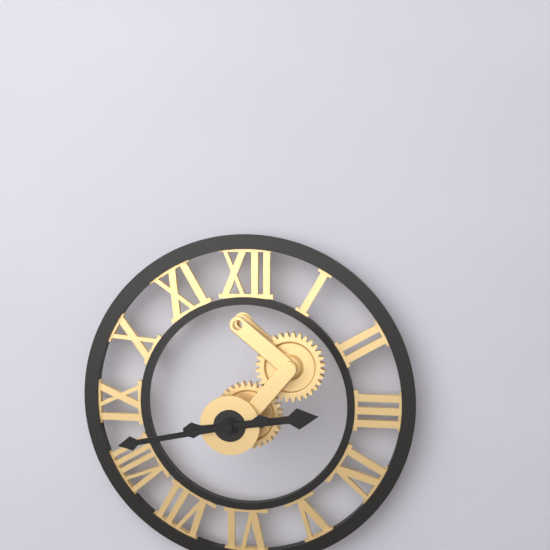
{"hour": 2, "minute": 43}
